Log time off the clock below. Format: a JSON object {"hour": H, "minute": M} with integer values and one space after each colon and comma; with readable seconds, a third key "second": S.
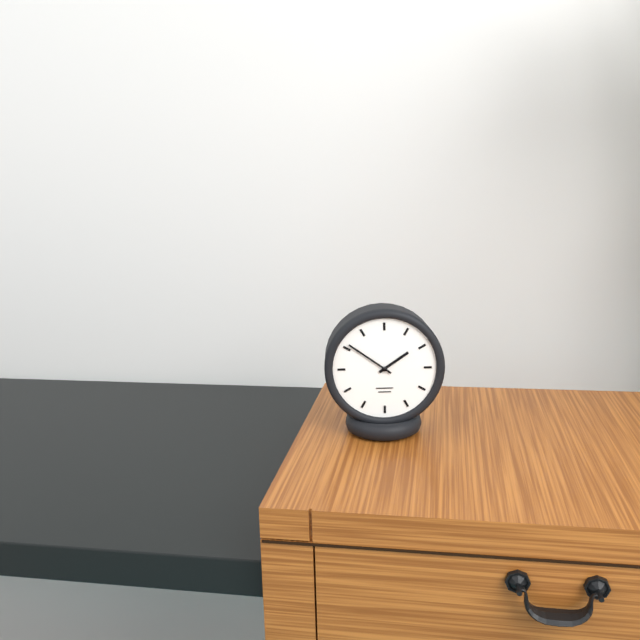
{"hour": 1, "minute": 51}
